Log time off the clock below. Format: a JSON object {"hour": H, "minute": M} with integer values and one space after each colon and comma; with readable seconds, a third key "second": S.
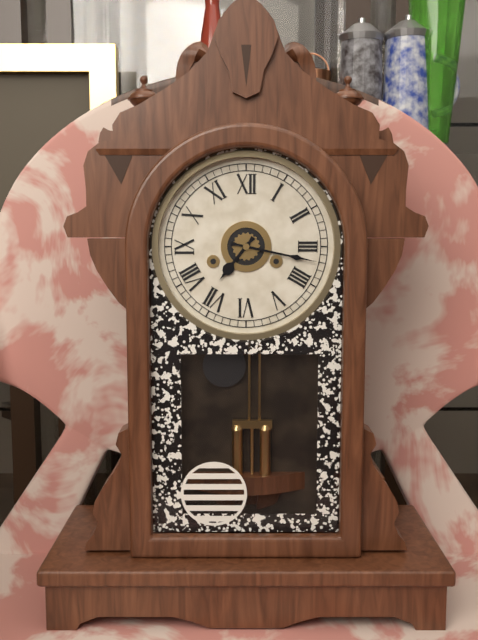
{"hour": 7, "minute": 17}
